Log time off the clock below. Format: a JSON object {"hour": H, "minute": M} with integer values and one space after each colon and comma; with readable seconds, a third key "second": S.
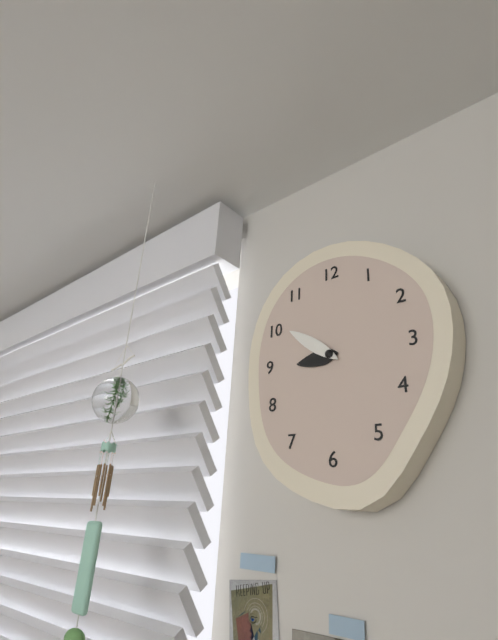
{"hour": 8, "minute": 51}
